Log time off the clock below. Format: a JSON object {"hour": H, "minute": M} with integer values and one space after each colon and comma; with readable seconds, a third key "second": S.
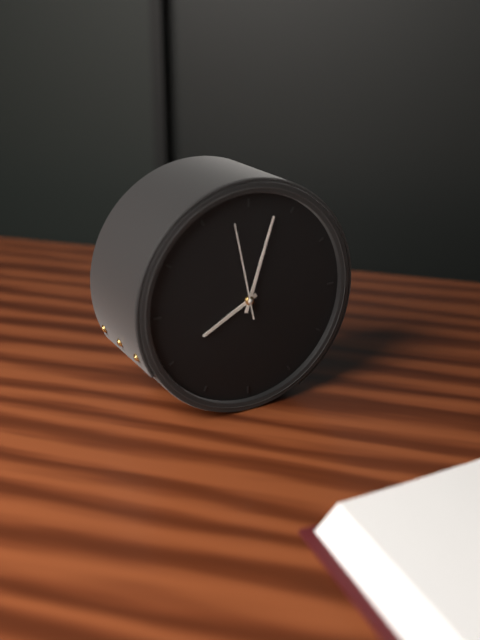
{"hour": 8, "minute": 3, "second": 58}
